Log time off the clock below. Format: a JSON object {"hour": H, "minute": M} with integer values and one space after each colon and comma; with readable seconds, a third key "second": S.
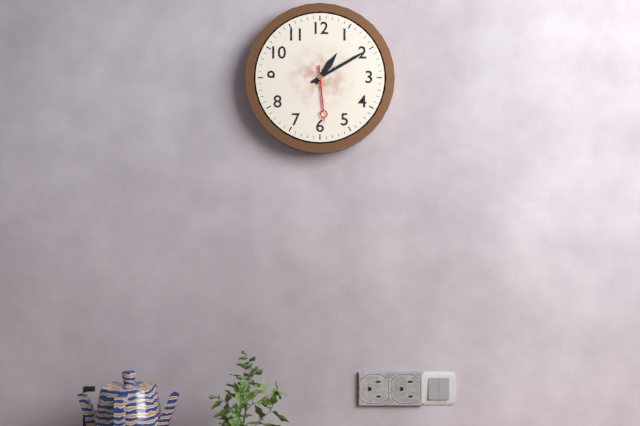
{"hour": 1, "minute": 10, "second": 29}
